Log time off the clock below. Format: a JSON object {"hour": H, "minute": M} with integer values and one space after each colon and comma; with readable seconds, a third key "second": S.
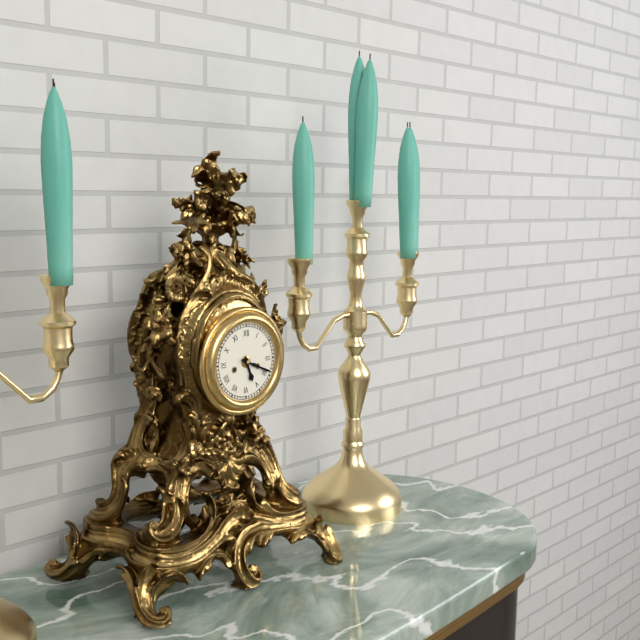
{"hour": 5, "minute": 19}
